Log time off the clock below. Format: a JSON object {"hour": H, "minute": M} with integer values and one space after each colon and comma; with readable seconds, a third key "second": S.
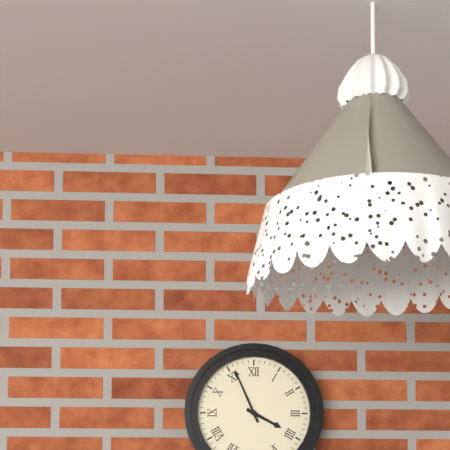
{"hour": 3, "minute": 56}
